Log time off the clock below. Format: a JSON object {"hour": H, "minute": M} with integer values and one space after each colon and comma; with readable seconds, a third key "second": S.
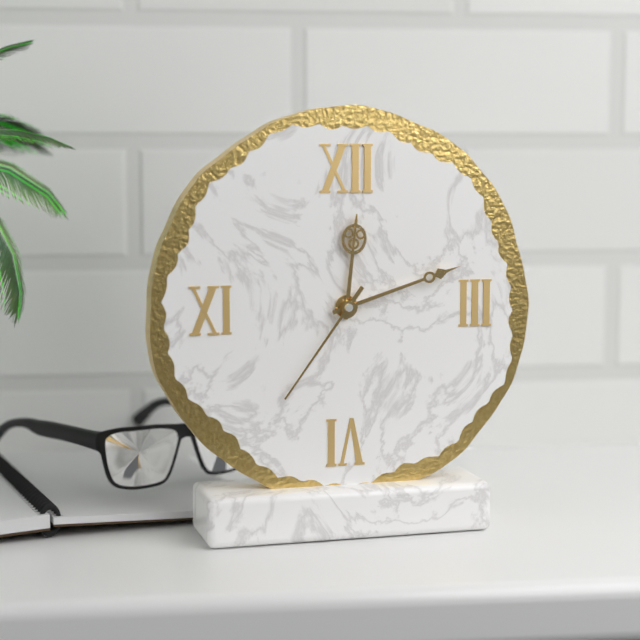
{"hour": 12, "minute": 12, "second": 36}
